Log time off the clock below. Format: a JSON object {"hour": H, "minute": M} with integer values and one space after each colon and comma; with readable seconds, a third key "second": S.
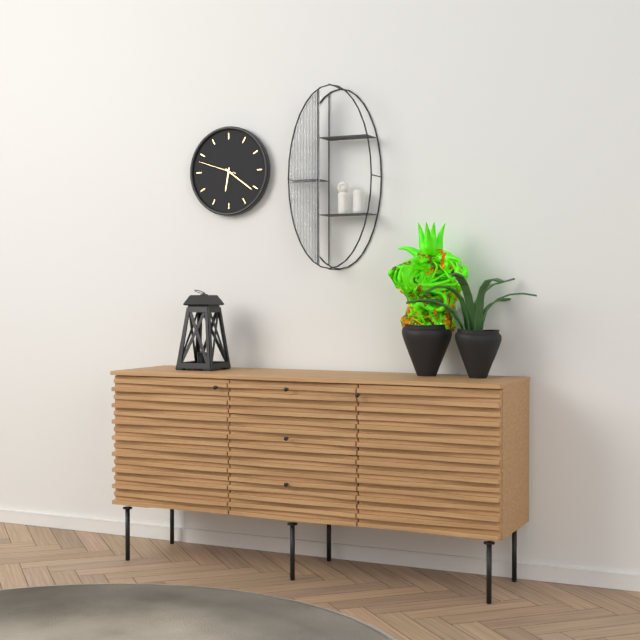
{"hour": 6, "minute": 21}
